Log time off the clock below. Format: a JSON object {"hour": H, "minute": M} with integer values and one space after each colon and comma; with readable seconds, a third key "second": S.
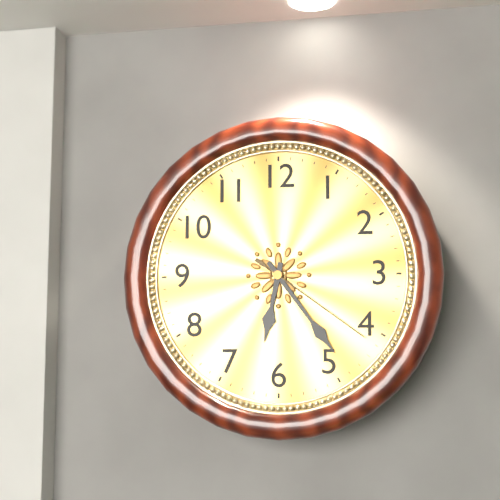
{"hour": 6, "minute": 24, "second": 21}
